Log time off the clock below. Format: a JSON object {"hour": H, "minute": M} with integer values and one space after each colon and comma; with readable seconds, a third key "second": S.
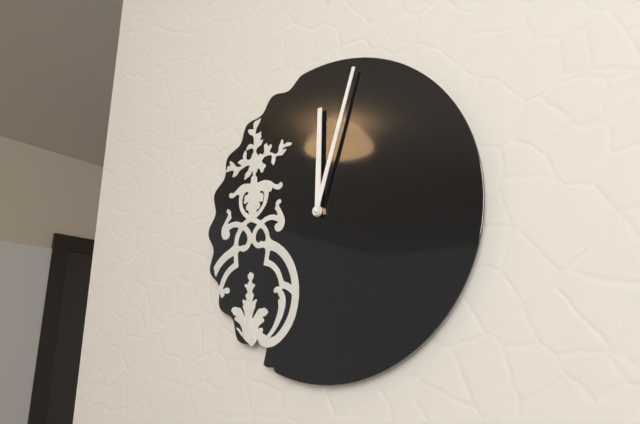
{"hour": 12, "minute": 3}
